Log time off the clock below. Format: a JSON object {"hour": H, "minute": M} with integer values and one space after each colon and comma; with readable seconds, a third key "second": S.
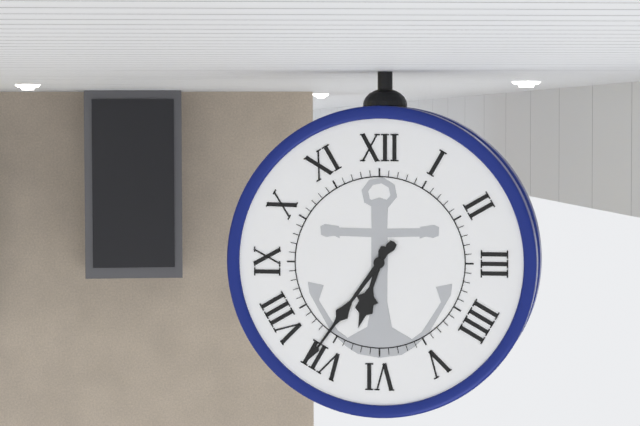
{"hour": 6, "minute": 36}
